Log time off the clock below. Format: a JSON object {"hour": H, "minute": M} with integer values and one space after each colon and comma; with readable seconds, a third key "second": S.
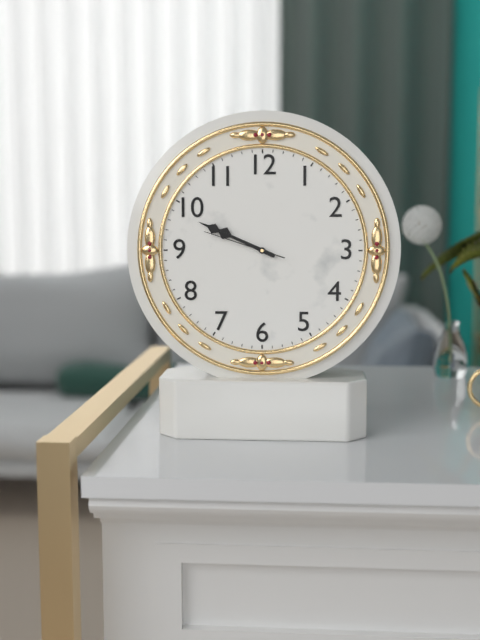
{"hour": 9, "minute": 49, "second": 48}
